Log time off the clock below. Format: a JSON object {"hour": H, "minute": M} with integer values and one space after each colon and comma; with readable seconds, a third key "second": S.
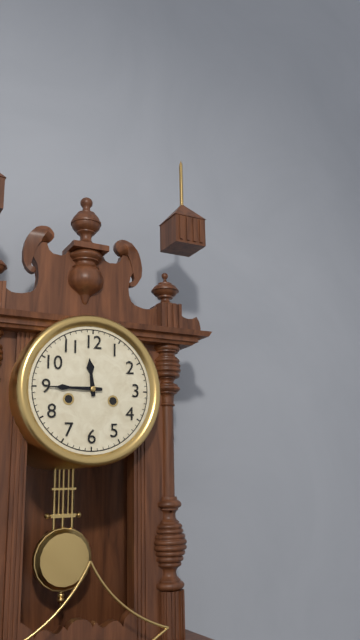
{"hour": 11, "minute": 45}
